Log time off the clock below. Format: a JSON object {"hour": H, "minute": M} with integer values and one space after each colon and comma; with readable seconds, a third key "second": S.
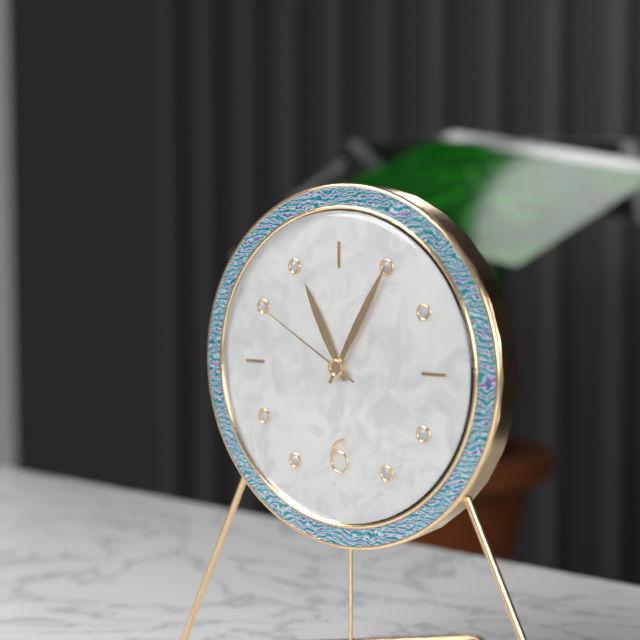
{"hour": 11, "minute": 5, "second": 50}
